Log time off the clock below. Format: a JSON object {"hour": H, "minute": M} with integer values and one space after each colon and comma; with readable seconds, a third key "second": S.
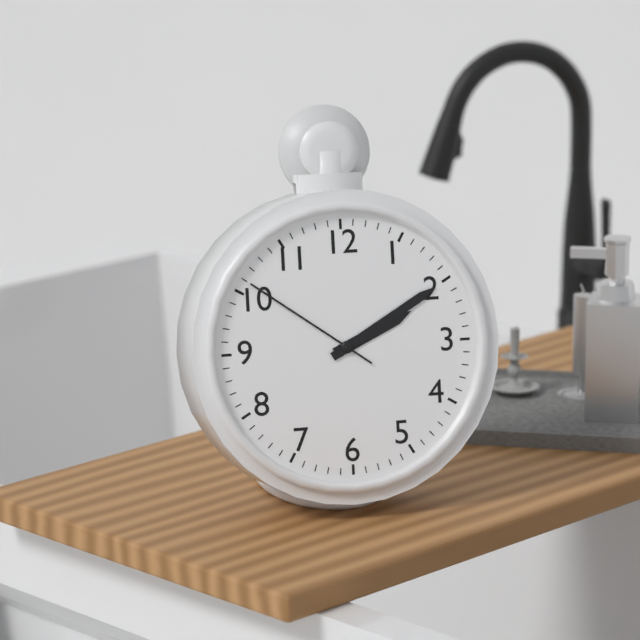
{"hour": 2, "minute": 10, "second": 51}
